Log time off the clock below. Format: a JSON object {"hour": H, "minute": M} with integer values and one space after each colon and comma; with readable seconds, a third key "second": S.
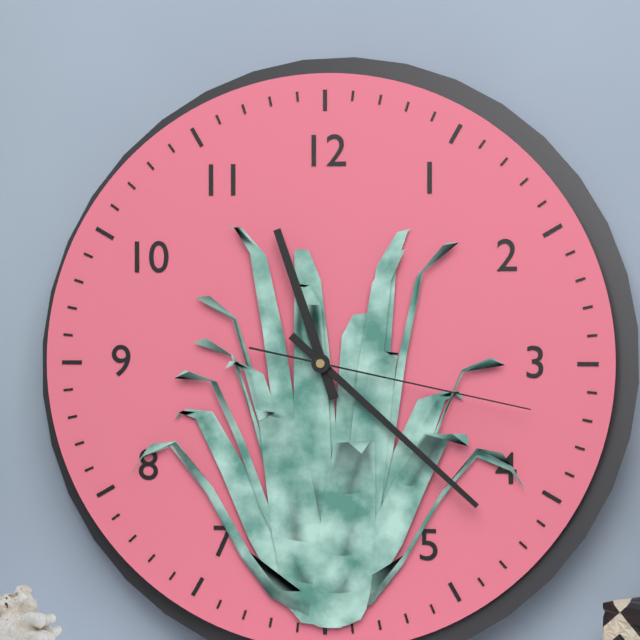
{"hour": 11, "minute": 22, "second": 17}
